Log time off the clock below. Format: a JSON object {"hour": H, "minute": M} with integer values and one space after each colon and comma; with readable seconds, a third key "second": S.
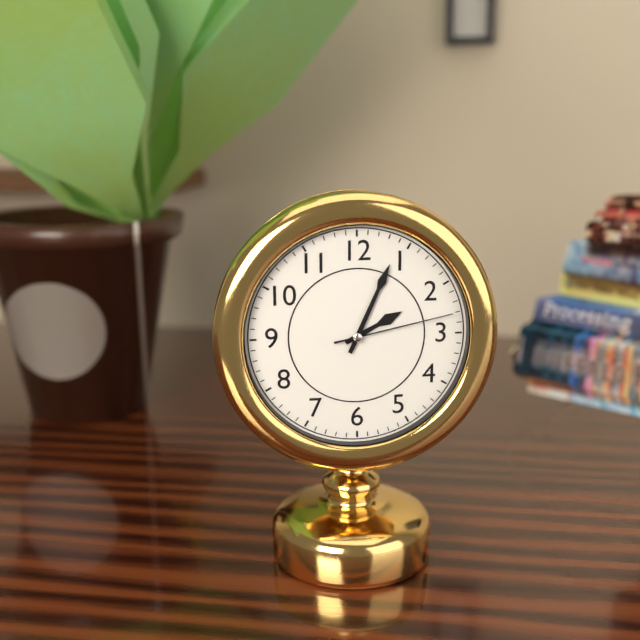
{"hour": 2, "minute": 4, "second": 13}
